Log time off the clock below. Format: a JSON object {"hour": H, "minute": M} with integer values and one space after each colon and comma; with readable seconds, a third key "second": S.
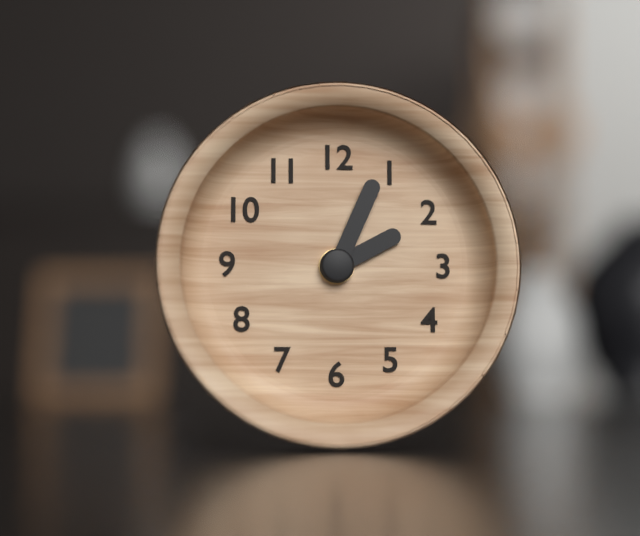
{"hour": 2, "minute": 4}
